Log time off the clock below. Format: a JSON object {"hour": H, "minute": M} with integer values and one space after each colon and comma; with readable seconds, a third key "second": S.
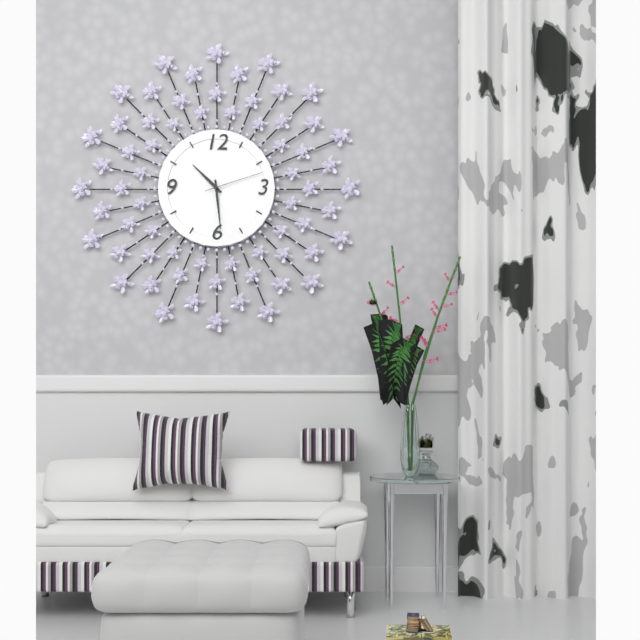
{"hour": 10, "minute": 29, "second": 12}
